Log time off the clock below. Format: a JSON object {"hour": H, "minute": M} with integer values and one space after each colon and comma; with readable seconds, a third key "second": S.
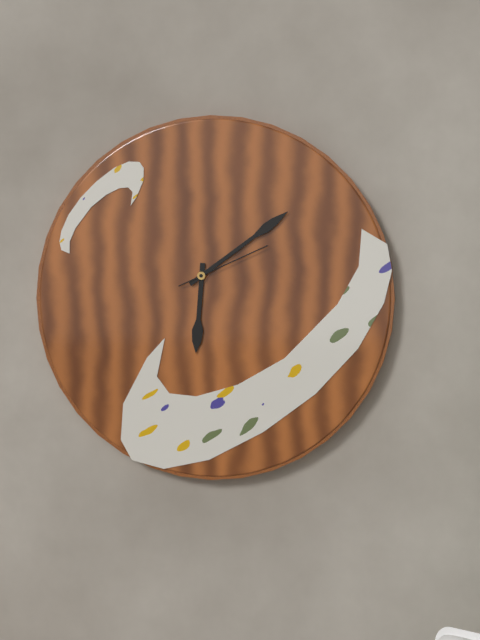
{"hour": 6, "minute": 9, "second": 11}
